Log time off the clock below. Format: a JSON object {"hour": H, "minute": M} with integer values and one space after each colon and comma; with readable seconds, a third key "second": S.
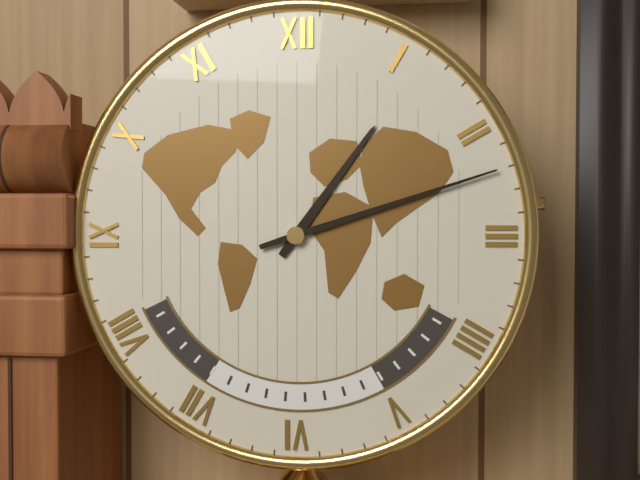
{"hour": 1, "minute": 12}
